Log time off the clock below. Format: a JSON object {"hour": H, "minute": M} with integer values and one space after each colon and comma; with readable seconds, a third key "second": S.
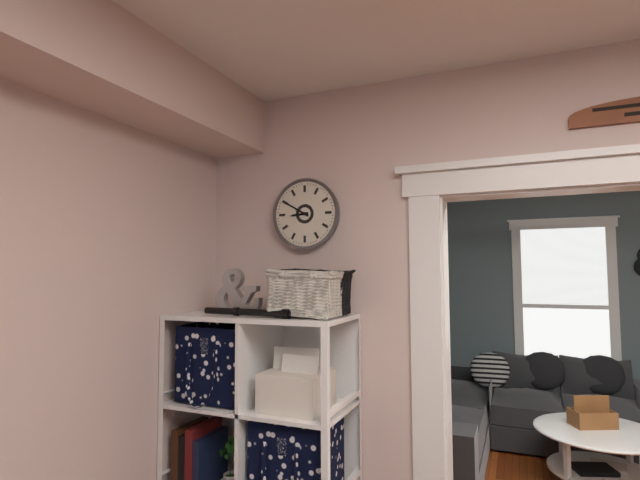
{"hour": 8, "minute": 50}
